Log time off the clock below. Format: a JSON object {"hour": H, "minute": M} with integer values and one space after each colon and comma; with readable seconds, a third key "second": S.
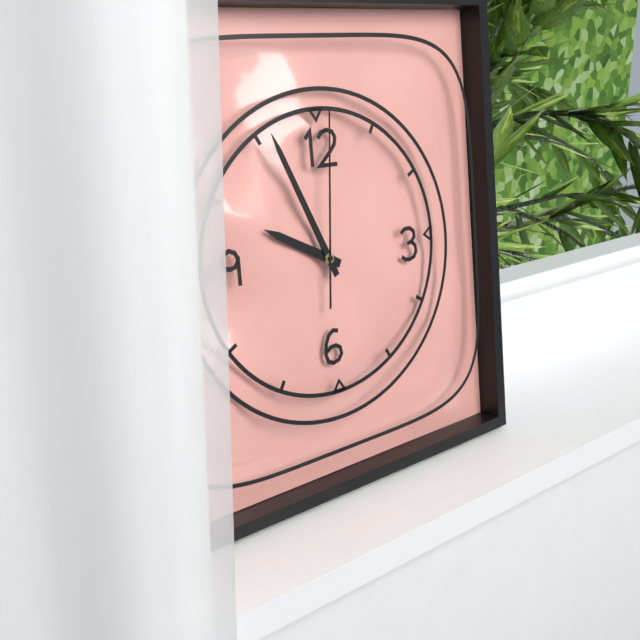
{"hour": 9, "minute": 56, "second": 1}
